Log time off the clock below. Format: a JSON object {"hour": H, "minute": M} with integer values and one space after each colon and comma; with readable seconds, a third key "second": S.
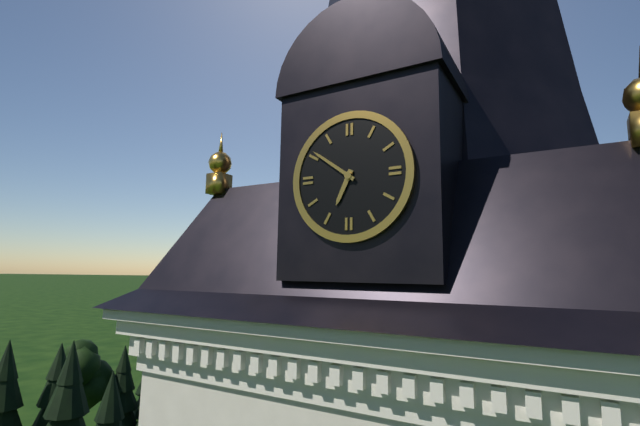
{"hour": 6, "minute": 51}
